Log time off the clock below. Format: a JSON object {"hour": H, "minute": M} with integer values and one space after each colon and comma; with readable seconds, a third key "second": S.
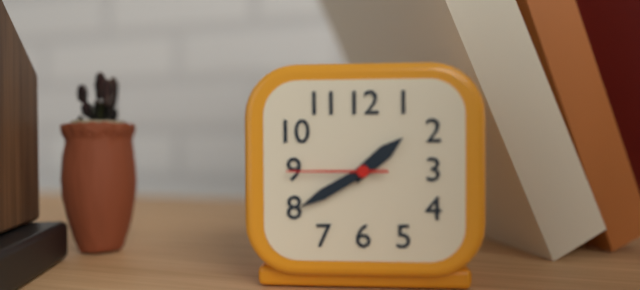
{"hour": 1, "minute": 40, "second": 45}
